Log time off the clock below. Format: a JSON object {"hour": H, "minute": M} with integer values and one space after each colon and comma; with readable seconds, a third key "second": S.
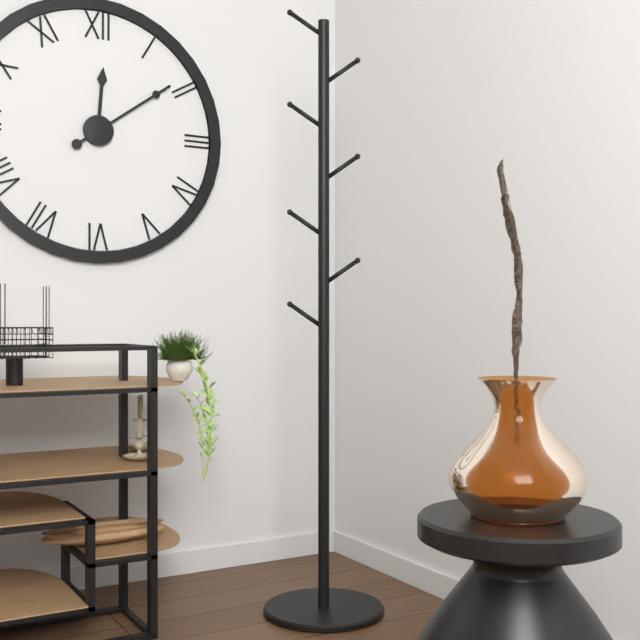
{"hour": 12, "minute": 9}
